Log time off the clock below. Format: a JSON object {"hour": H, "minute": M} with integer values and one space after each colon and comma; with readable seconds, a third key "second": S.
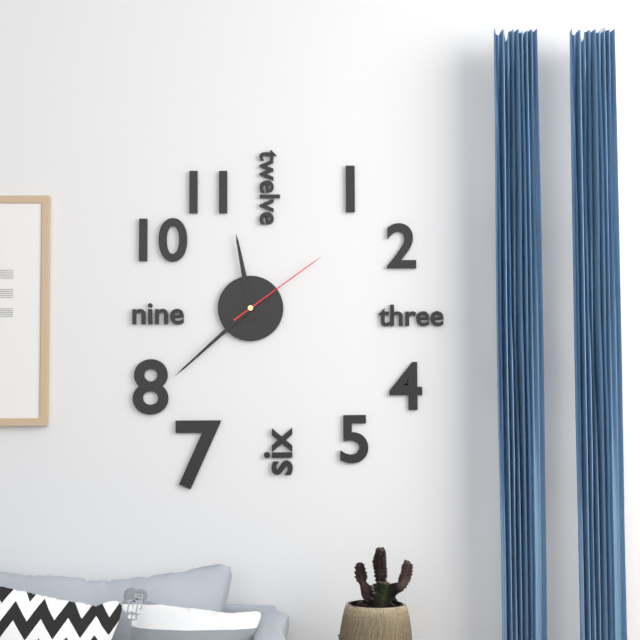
{"hour": 11, "minute": 38, "second": 9}
